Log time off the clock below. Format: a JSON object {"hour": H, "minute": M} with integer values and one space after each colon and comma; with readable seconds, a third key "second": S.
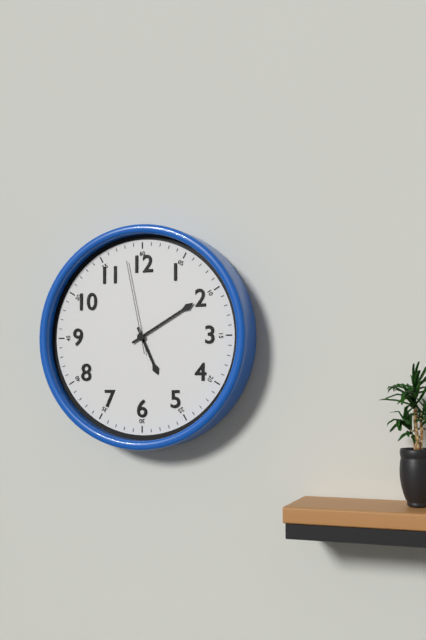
{"hour": 5, "minute": 10, "second": 58}
